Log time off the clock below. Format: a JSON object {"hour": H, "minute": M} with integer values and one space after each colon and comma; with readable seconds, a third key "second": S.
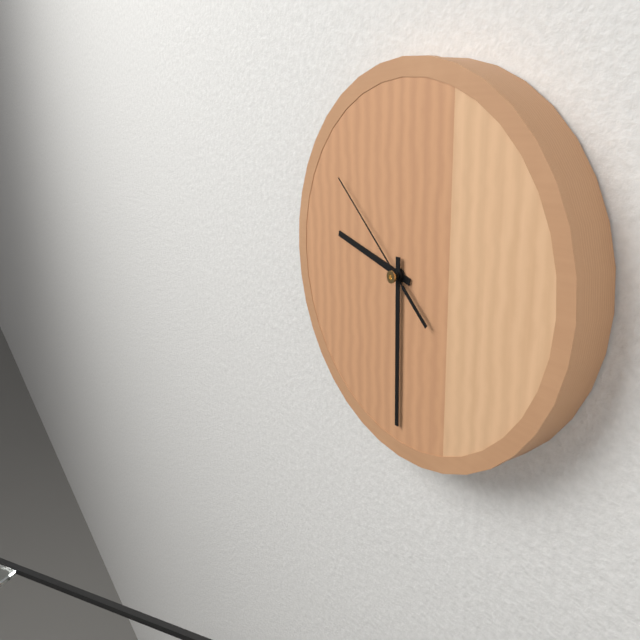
{"hour": 9, "minute": 30, "second": 52}
